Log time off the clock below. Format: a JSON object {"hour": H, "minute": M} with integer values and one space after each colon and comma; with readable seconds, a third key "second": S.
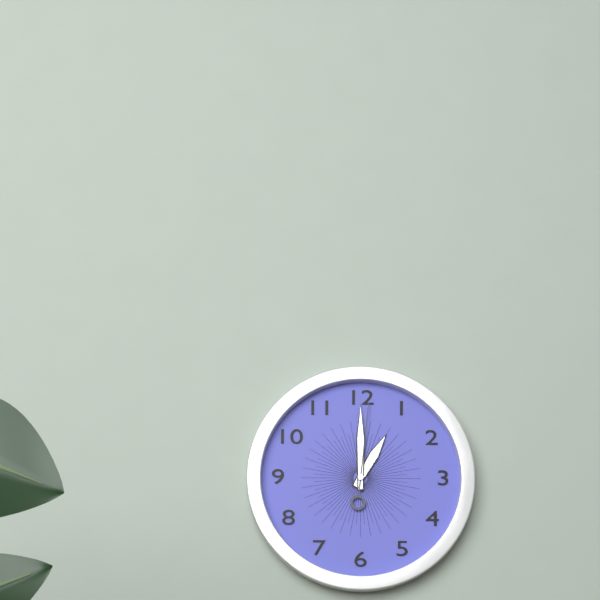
{"hour": 1, "minute": 0, "second": 1}
